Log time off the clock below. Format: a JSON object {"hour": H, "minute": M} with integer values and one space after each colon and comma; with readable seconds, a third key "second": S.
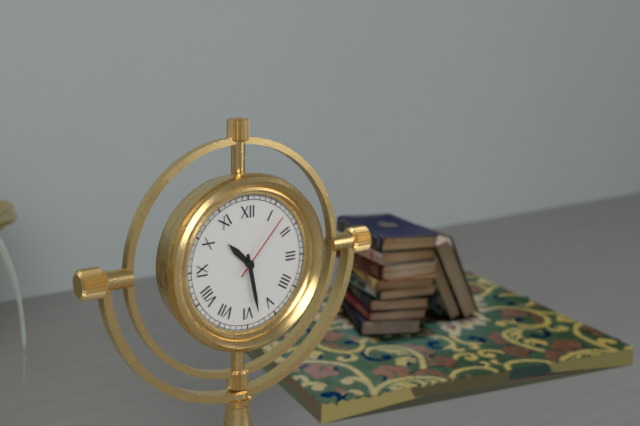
{"hour": 10, "minute": 28, "second": 7}
